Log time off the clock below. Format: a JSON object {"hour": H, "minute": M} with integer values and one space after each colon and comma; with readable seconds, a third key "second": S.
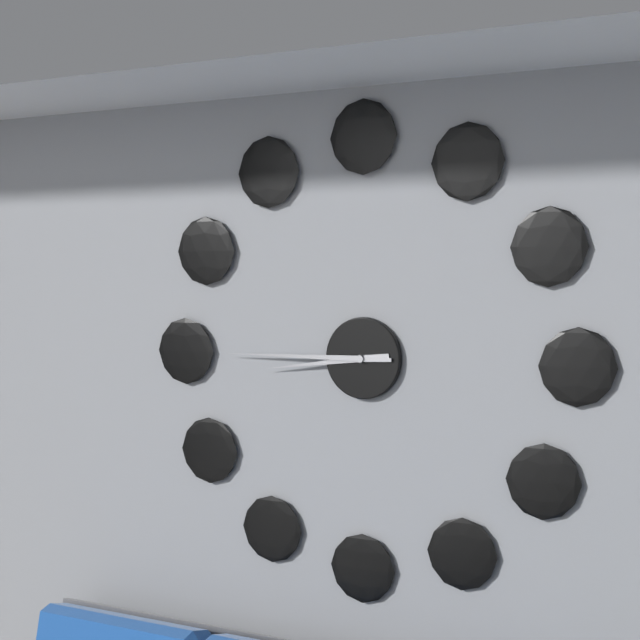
{"hour": 8, "minute": 45}
